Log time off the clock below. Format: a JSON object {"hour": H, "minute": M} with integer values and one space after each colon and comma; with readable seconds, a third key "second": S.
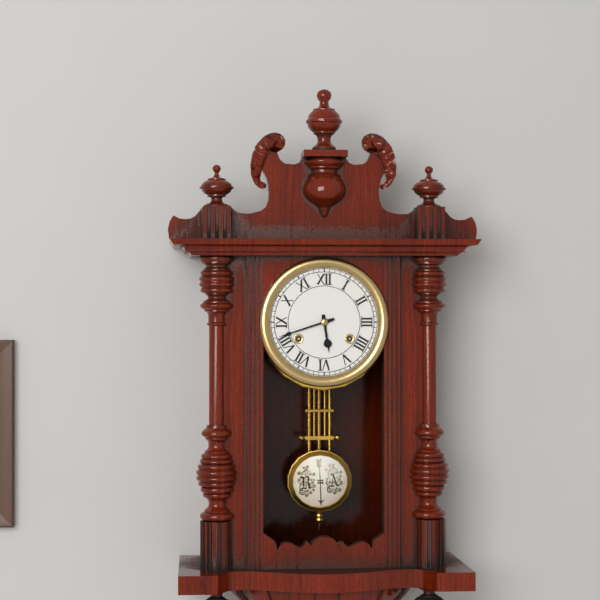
{"hour": 5, "minute": 42}
